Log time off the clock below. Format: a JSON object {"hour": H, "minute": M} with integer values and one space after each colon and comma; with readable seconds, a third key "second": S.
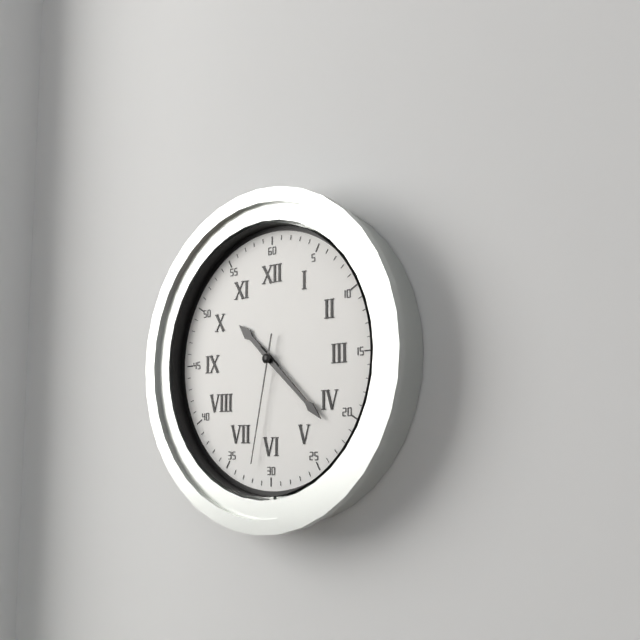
{"hour": 10, "minute": 22, "second": 32}
